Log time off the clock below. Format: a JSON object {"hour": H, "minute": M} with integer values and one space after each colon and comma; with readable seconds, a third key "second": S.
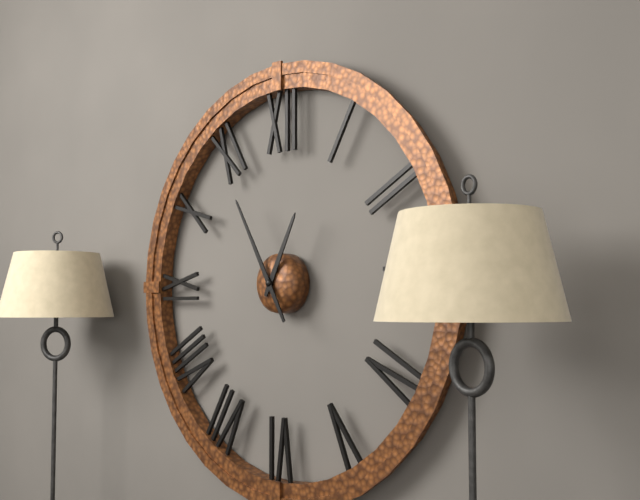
{"hour": 12, "minute": 55}
